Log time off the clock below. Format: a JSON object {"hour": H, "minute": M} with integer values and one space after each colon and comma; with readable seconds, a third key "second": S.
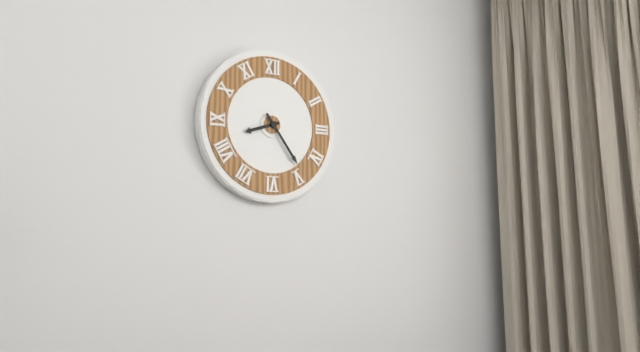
{"hour": 8, "minute": 24}
